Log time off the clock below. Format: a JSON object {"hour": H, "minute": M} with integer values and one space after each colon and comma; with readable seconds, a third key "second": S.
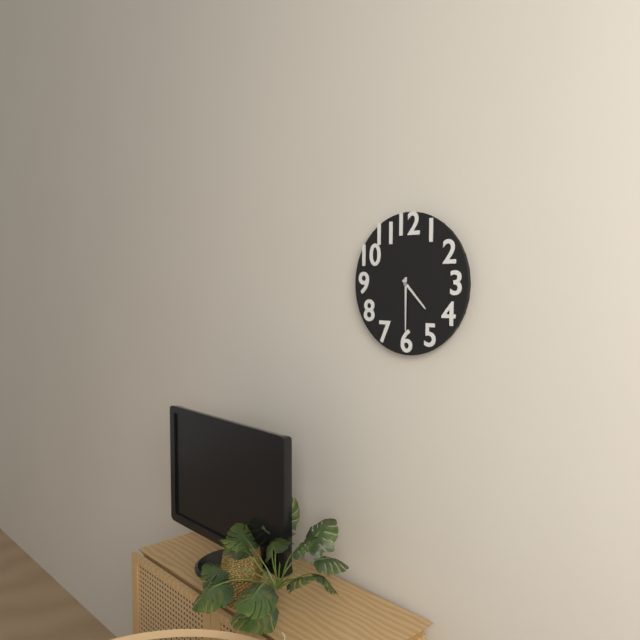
{"hour": 4, "minute": 30}
